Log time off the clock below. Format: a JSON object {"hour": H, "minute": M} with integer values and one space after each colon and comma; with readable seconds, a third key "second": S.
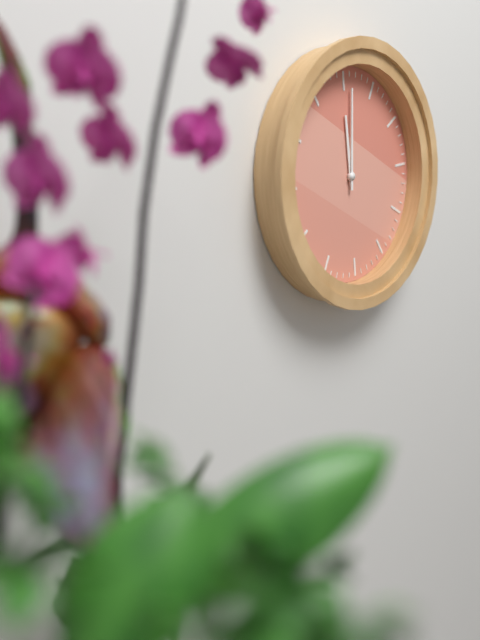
{"hour": 10, "minute": 56}
